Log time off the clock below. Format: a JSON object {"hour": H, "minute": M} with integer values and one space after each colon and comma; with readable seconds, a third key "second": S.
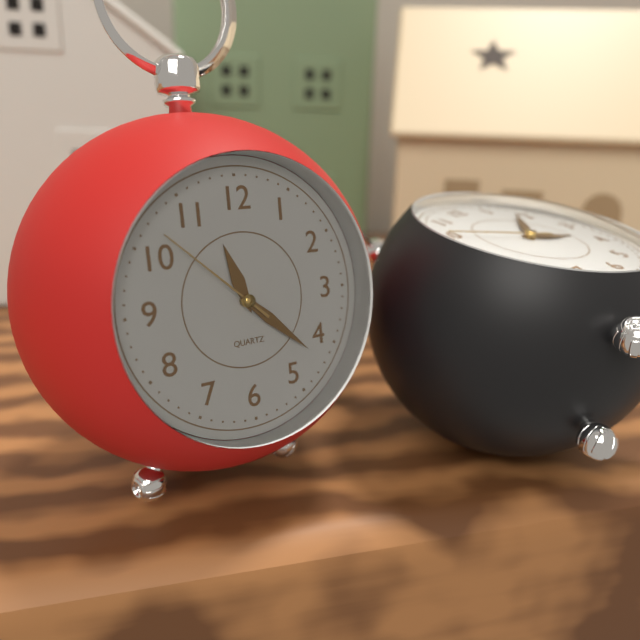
{"hour": 11, "minute": 22, "second": 52}
